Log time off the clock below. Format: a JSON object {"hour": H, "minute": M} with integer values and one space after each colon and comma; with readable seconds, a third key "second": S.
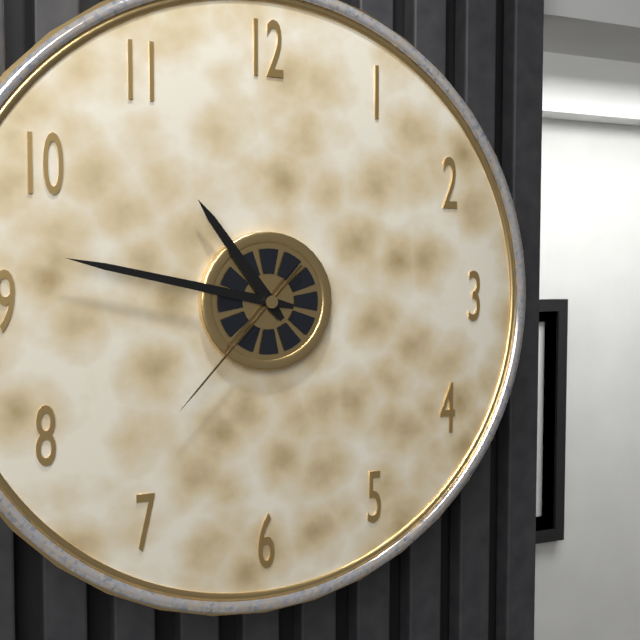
{"hour": 10, "minute": 47, "second": 37}
